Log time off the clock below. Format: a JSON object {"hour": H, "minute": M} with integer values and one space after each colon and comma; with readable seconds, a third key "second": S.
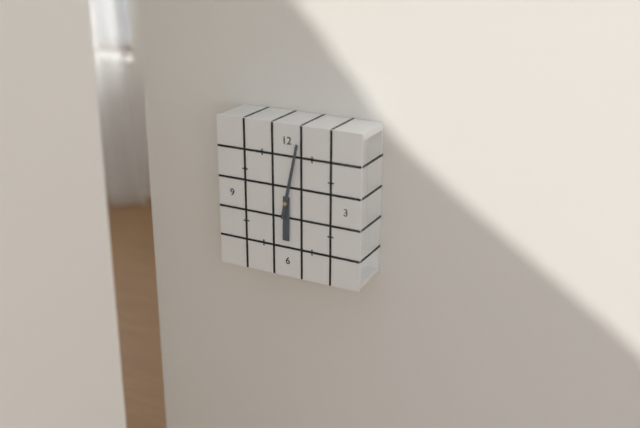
{"hour": 6, "minute": 2}
